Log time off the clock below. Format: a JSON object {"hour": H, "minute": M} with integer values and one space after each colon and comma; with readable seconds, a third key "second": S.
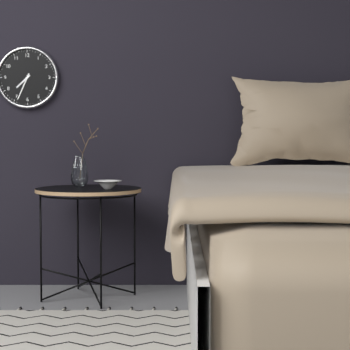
{"hour": 7, "minute": 34}
